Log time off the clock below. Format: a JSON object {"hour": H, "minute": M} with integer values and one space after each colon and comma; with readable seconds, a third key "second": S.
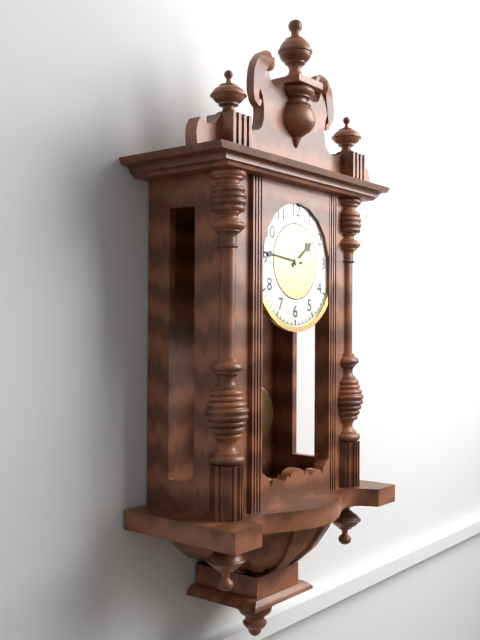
{"hour": 1, "minute": 46}
